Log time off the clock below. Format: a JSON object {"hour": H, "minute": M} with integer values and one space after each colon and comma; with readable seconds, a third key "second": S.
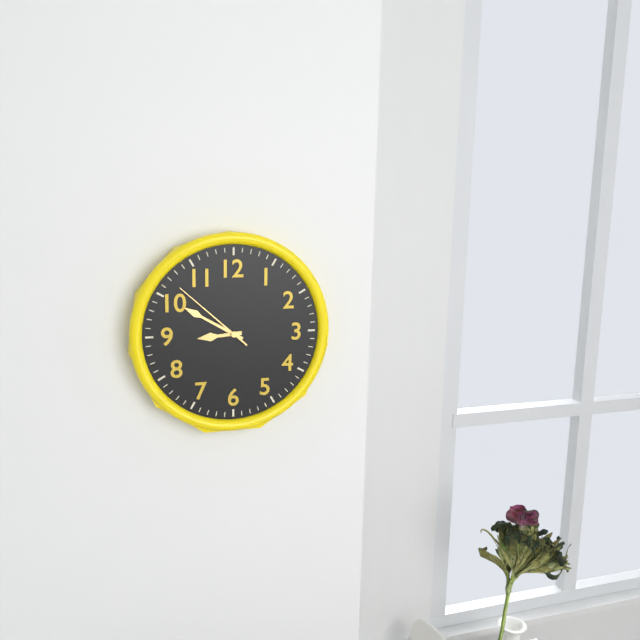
{"hour": 8, "minute": 50, "second": 52}
